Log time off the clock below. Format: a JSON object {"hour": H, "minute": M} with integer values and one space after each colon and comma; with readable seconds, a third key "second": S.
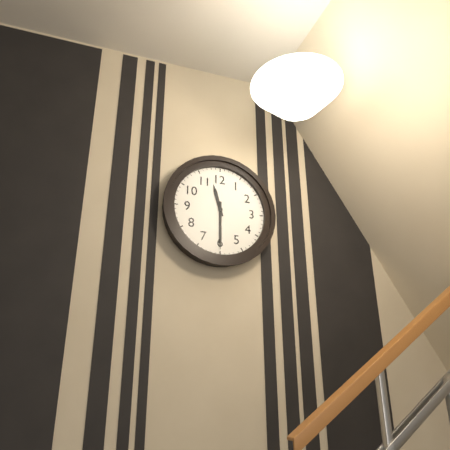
{"hour": 11, "minute": 30}
